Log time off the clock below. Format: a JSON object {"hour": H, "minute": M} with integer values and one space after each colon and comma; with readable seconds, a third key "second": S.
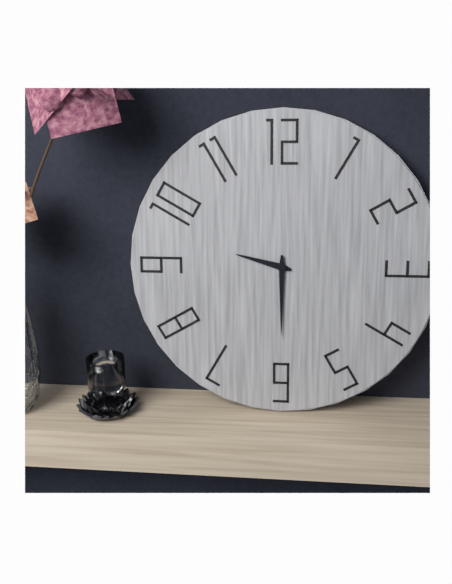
{"hour": 9, "minute": 30}
